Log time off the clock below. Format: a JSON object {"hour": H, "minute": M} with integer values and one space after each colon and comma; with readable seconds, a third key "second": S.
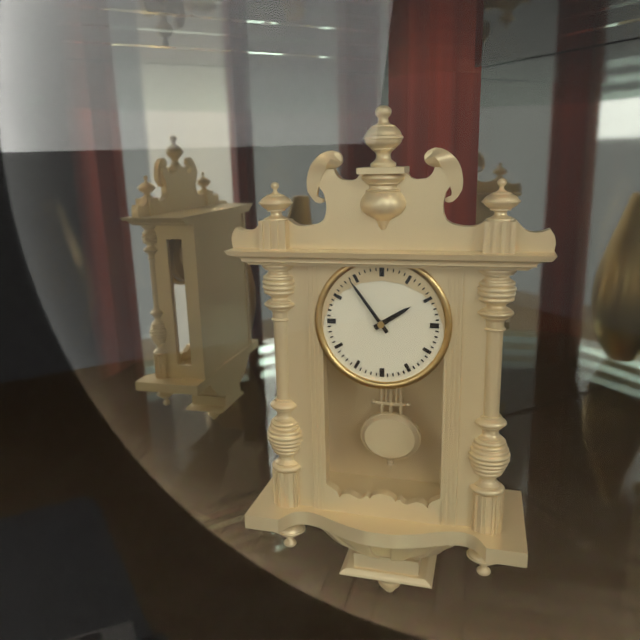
{"hour": 1, "minute": 54}
